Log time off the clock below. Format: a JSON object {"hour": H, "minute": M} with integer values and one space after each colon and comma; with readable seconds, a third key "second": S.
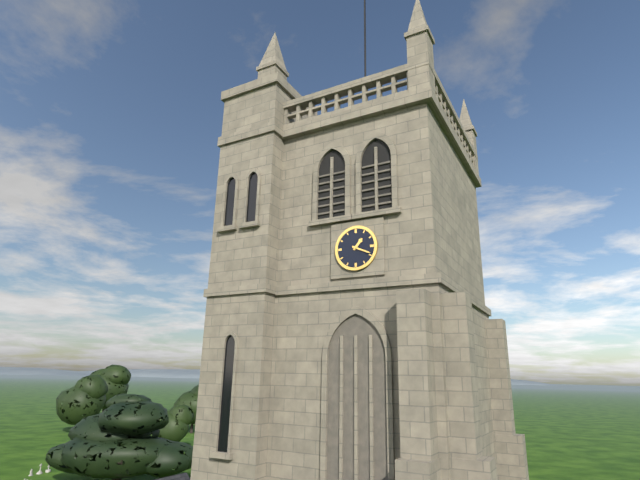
{"hour": 1, "minute": 19}
